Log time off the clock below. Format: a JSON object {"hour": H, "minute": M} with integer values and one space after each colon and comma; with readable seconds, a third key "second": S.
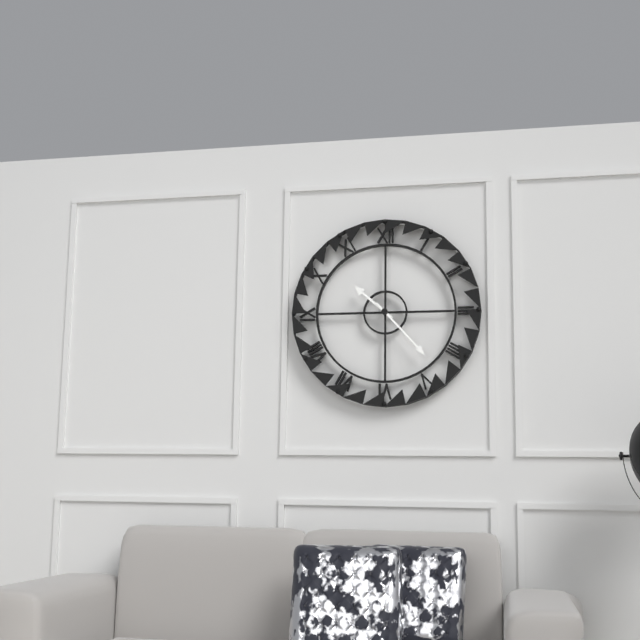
{"hour": 10, "minute": 23}
